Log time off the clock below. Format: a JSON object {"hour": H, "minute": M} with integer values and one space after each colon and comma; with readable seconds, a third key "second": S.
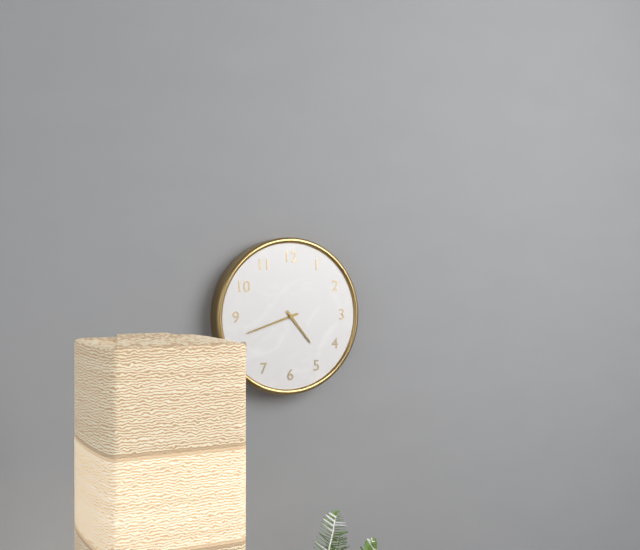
{"hour": 4, "minute": 42}
